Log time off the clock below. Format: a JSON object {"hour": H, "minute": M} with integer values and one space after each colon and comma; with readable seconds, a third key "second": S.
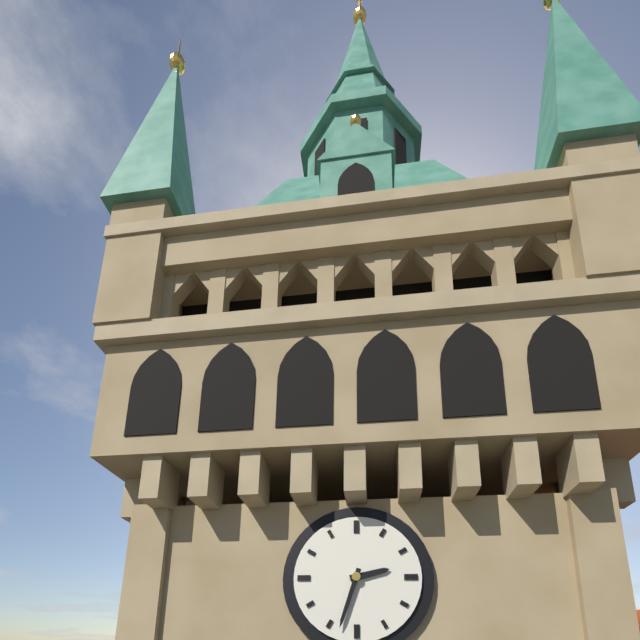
{"hour": 2, "minute": 33}
